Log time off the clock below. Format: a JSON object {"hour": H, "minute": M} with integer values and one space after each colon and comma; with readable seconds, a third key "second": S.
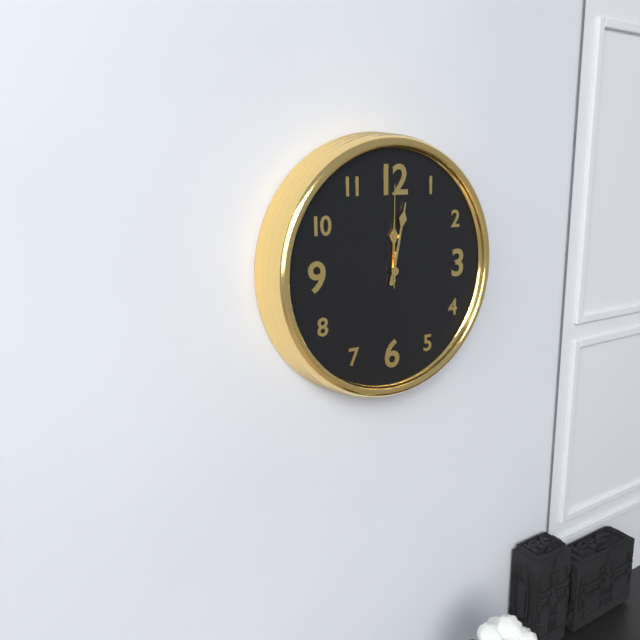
{"hour": 12, "minute": 2, "second": 0}
